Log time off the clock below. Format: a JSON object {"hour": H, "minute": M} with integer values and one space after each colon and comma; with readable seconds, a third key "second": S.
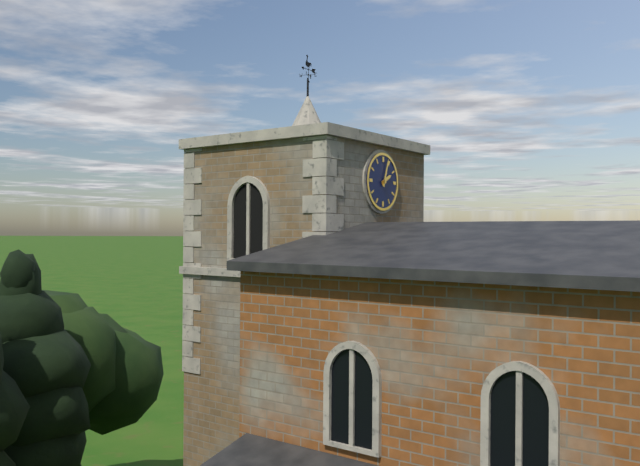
{"hour": 2, "minute": 3}
